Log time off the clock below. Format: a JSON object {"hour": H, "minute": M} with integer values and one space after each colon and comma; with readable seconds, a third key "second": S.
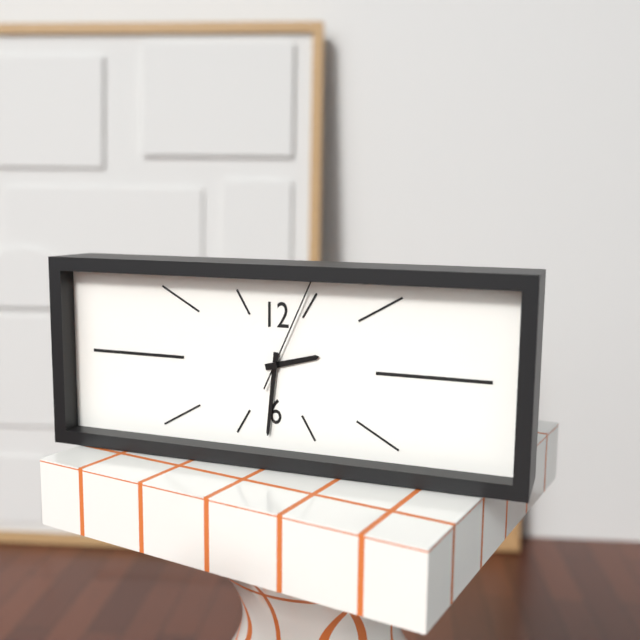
{"hour": 2, "minute": 31, "second": 4}
